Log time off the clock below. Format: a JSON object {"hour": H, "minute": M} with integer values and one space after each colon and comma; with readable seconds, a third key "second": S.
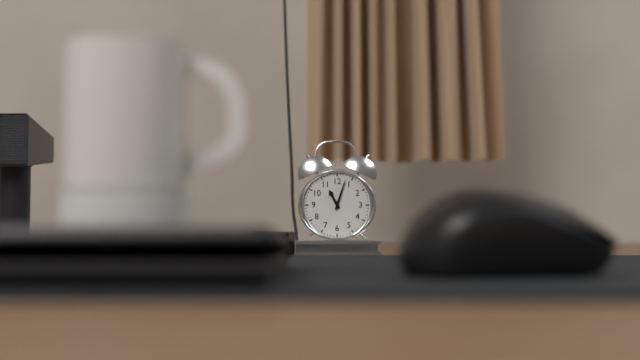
{"hour": 11, "minute": 3}
